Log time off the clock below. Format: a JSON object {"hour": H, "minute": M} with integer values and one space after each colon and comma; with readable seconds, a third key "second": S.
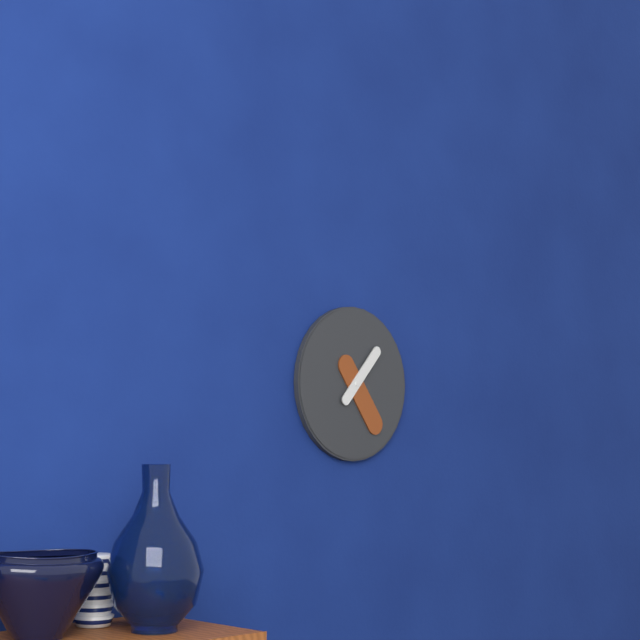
{"hour": 1, "minute": 24}
